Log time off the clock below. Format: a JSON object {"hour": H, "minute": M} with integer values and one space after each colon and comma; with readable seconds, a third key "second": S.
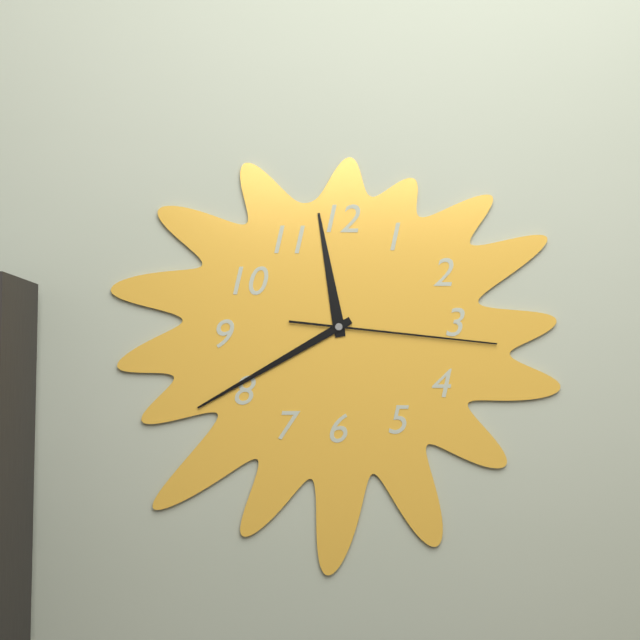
{"hour": 11, "minute": 40, "second": 16}
